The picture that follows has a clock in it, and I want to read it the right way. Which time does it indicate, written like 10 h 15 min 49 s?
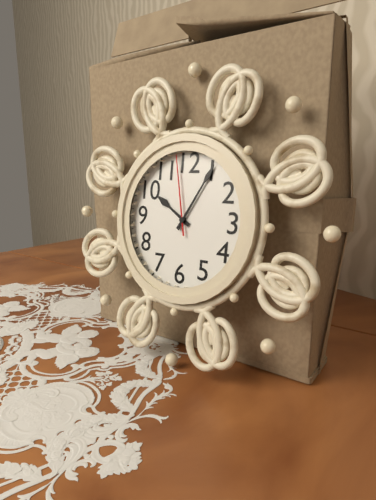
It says 10 h 05 min 58 s
